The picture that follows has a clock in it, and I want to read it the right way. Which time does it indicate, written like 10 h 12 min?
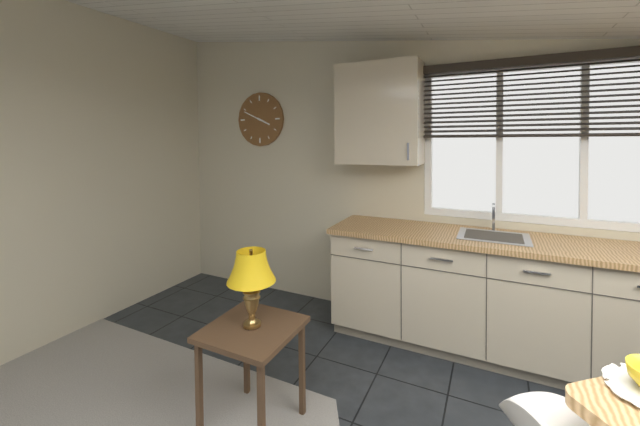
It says 3 h 49 min
